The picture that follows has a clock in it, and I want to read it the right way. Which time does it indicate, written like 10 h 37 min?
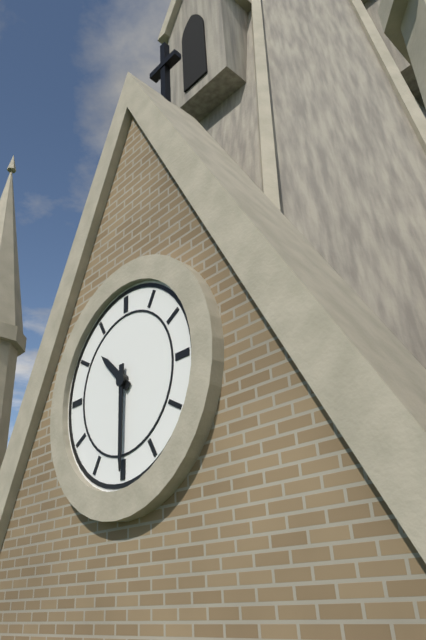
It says 10 h 30 min
